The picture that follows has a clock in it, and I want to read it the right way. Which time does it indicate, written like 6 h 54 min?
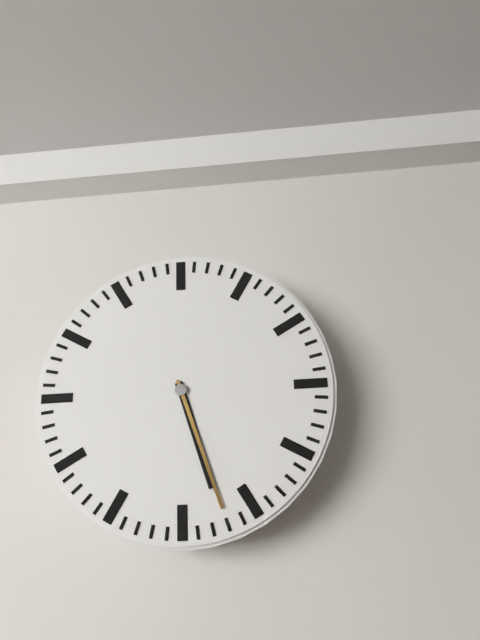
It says 5 h 27 min
